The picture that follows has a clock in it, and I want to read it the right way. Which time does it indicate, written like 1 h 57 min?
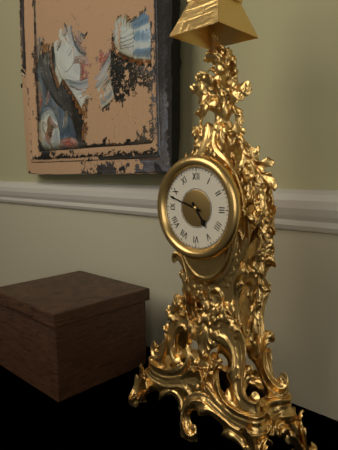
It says 4 h 48 min
